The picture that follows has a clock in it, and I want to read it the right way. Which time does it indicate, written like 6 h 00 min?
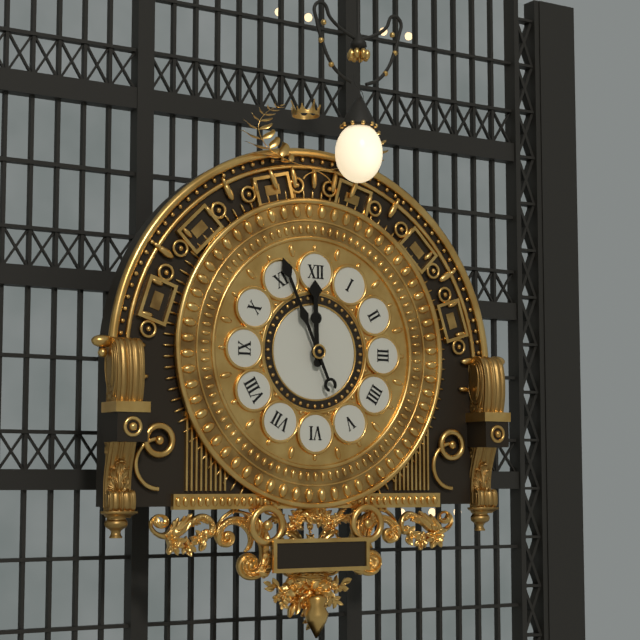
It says 11 h 56 min
